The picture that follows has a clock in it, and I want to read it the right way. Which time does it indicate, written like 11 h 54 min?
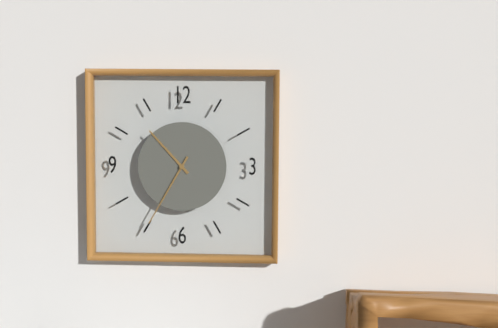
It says 10 h 35 min
